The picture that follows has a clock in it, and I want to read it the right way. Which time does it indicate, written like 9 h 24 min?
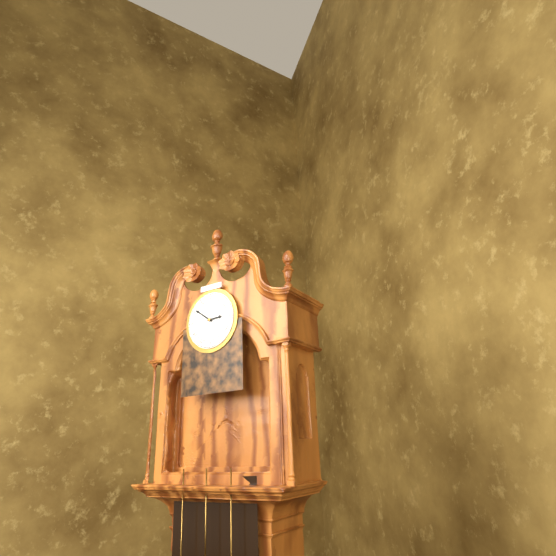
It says 2 h 51 min
